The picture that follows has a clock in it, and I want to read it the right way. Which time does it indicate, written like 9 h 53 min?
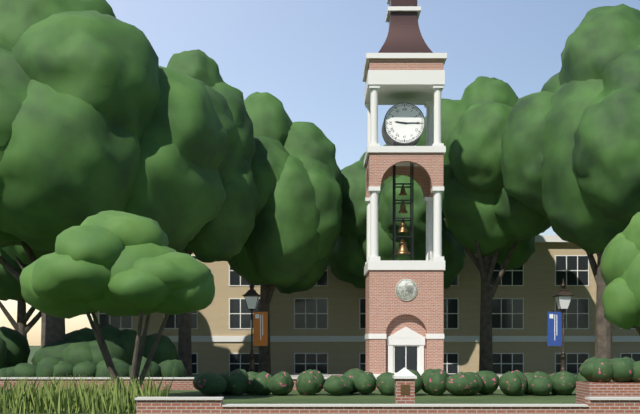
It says 9 h 15 min
